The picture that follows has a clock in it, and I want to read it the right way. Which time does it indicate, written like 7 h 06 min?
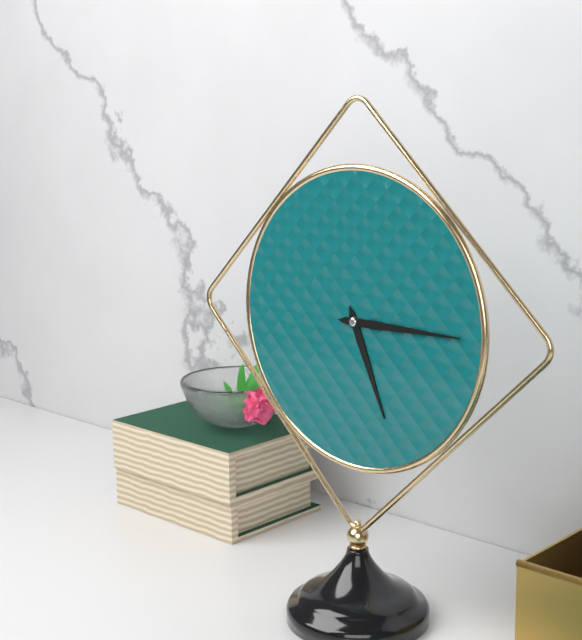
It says 5 h 15 min
